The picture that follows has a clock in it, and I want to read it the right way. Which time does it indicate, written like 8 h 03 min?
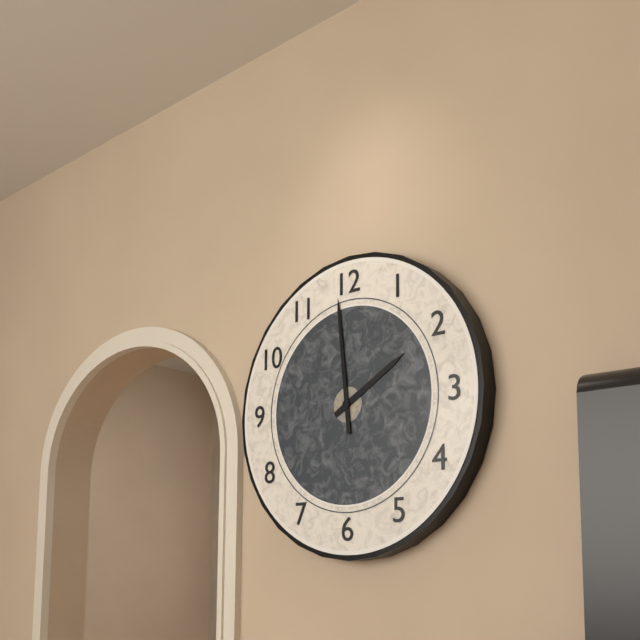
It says 1 h 59 min
